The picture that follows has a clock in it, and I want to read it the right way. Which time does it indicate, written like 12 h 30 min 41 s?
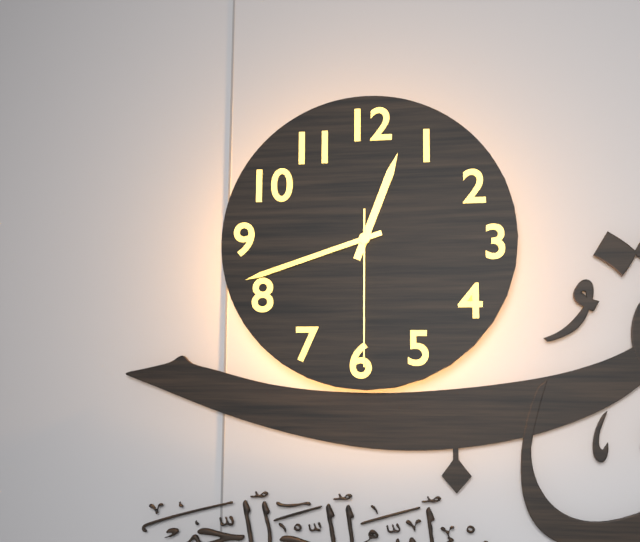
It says 12 h 42 min 30 s
